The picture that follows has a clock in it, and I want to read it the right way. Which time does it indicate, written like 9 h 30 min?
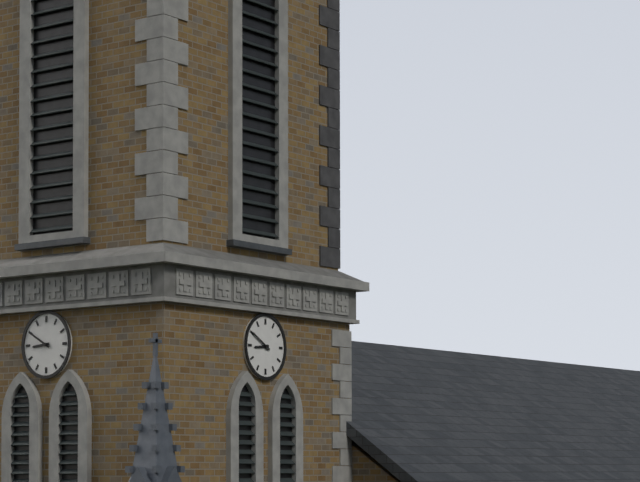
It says 8 h 50 min
